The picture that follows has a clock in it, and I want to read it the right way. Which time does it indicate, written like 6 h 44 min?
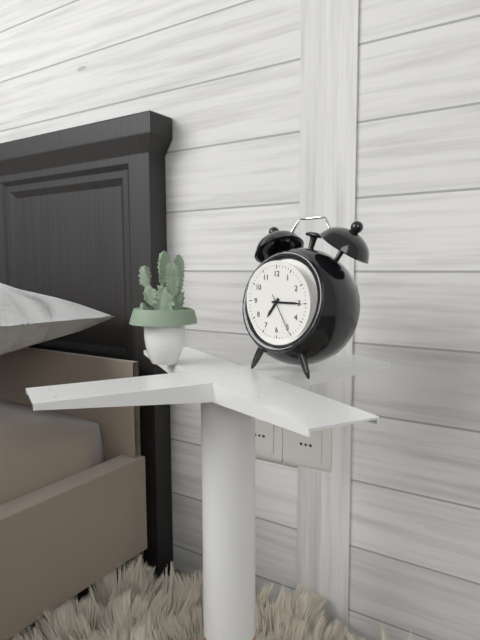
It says 7 h 15 min
